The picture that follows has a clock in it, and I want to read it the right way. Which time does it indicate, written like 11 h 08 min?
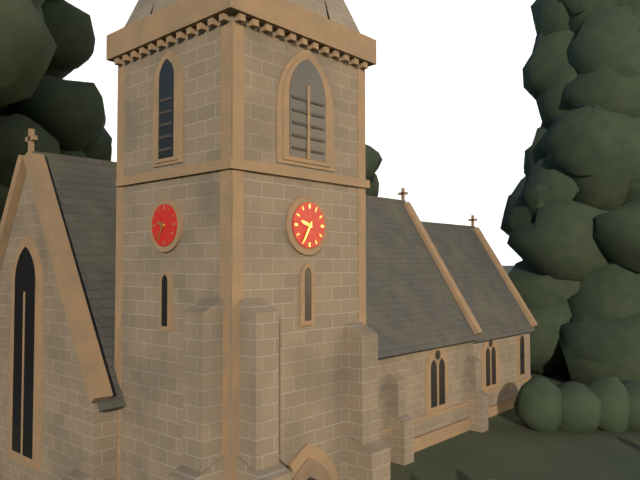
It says 9 h 35 min
